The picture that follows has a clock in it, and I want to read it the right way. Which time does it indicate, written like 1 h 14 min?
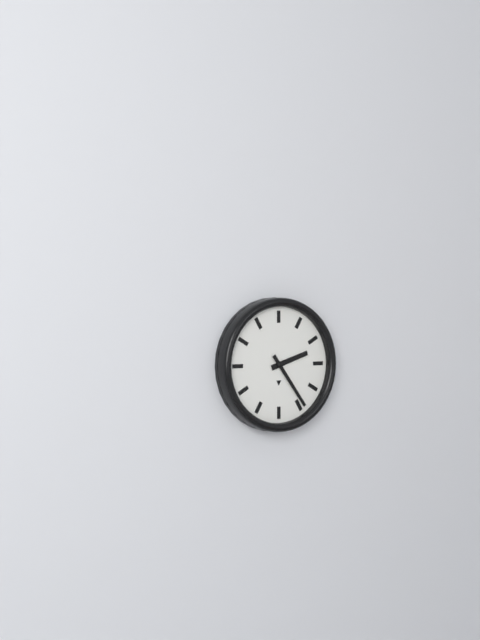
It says 2 h 24 min
